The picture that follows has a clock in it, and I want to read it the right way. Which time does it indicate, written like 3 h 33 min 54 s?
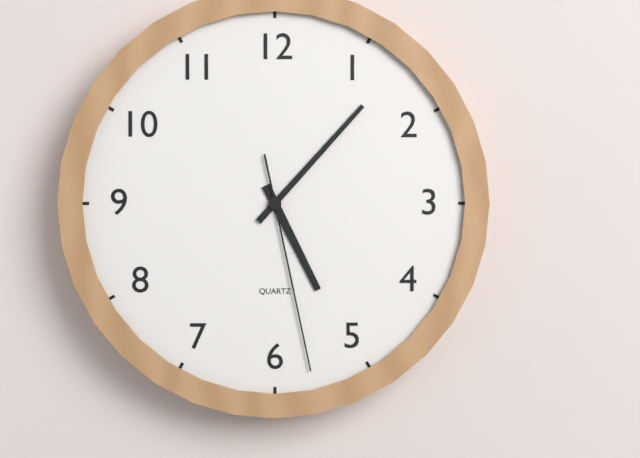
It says 5 h 07 min 28 s
